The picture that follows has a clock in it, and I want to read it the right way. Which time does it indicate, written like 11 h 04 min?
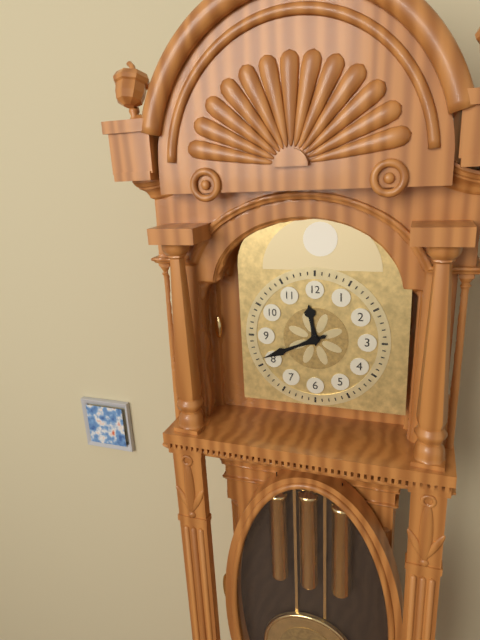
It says 11 h 41 min
